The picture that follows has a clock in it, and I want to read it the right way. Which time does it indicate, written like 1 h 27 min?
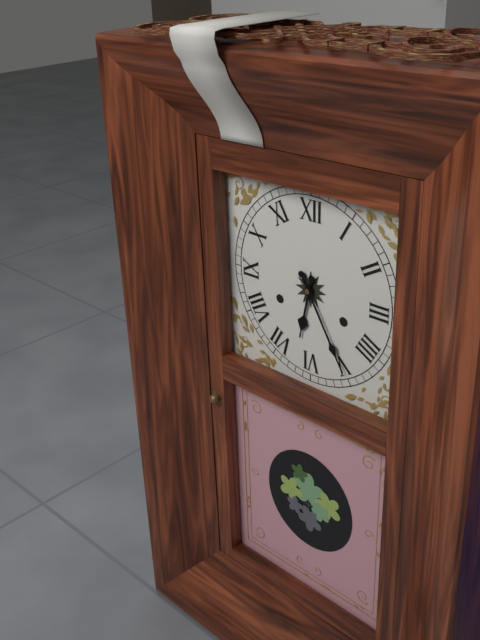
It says 6 h 25 min
